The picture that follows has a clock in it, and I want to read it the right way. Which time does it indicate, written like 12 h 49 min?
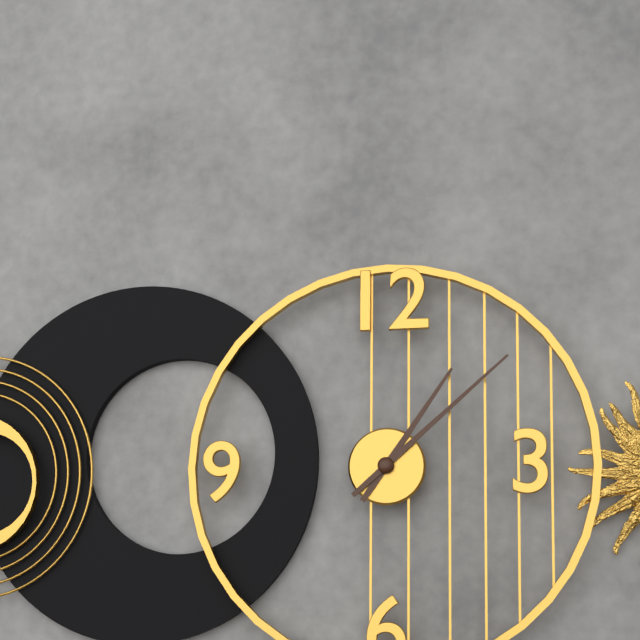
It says 1 h 08 min
